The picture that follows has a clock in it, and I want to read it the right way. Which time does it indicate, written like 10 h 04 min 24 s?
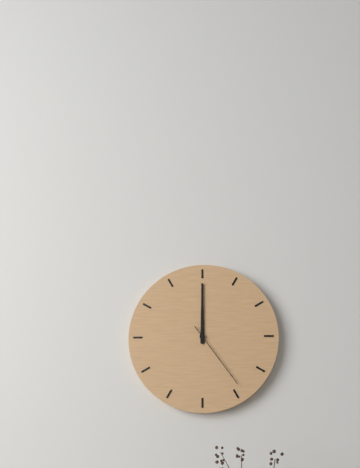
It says 12 h 00 min 24 s
